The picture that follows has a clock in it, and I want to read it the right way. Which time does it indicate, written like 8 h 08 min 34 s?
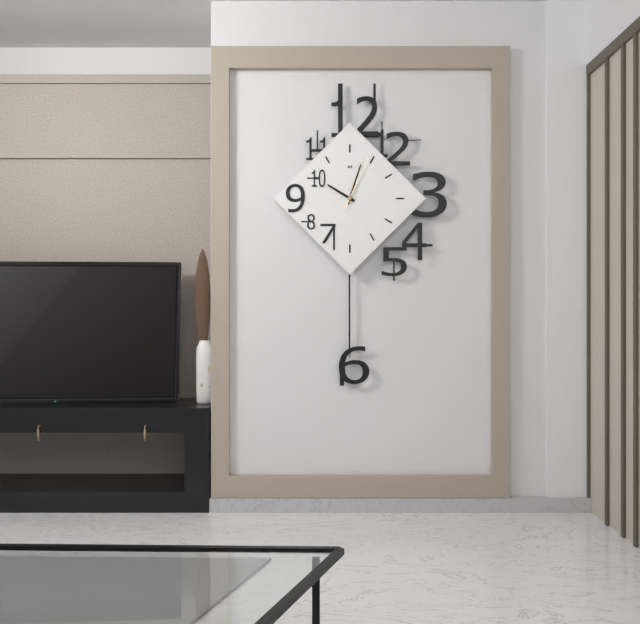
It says 10 h 03 min 04 s
